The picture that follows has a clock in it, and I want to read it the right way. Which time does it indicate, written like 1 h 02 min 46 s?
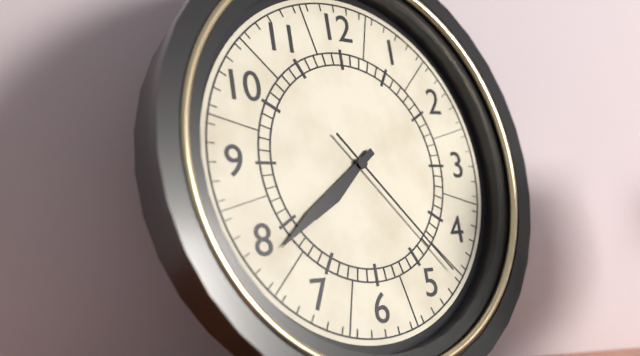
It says 7 h 39 min 23 s
